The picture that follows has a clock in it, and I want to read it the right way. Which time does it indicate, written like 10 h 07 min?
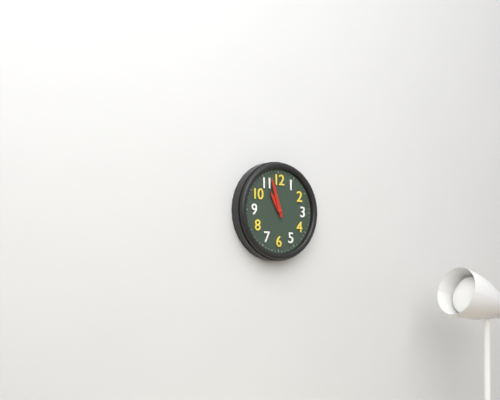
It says 10 h 57 min
